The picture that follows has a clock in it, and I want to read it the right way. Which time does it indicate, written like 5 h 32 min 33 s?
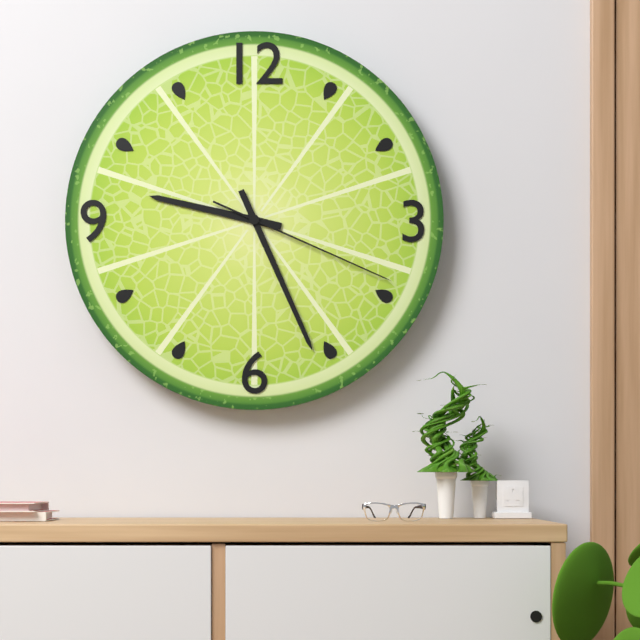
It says 9 h 26 min 19 s
